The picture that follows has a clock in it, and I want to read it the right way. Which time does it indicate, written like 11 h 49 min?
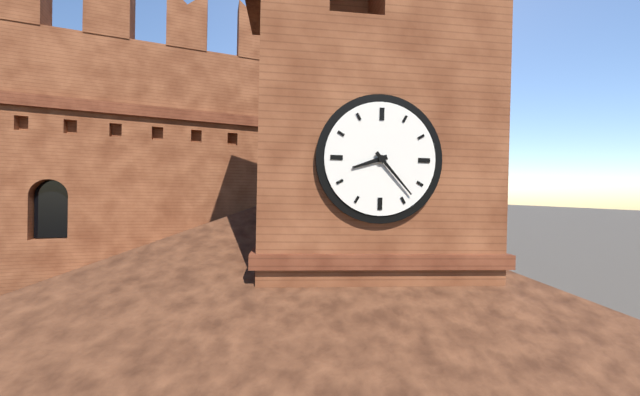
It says 8 h 23 min
